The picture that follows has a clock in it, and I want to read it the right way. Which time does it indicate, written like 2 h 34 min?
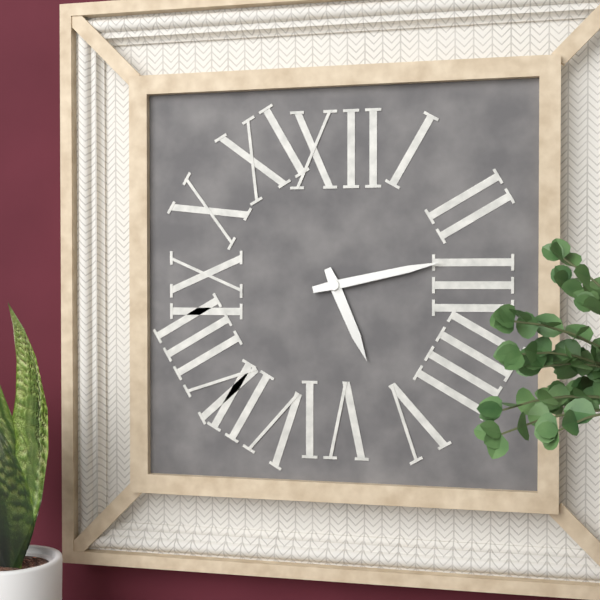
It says 5 h 13 min
